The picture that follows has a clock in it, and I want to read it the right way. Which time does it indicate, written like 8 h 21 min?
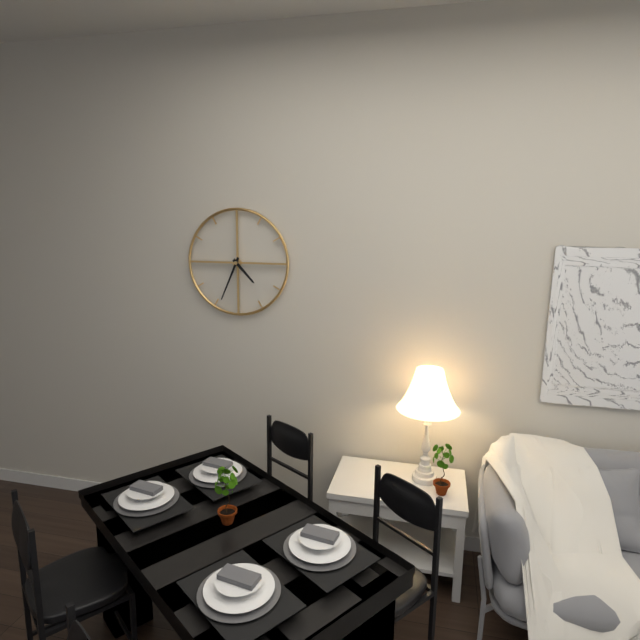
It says 4 h 34 min
